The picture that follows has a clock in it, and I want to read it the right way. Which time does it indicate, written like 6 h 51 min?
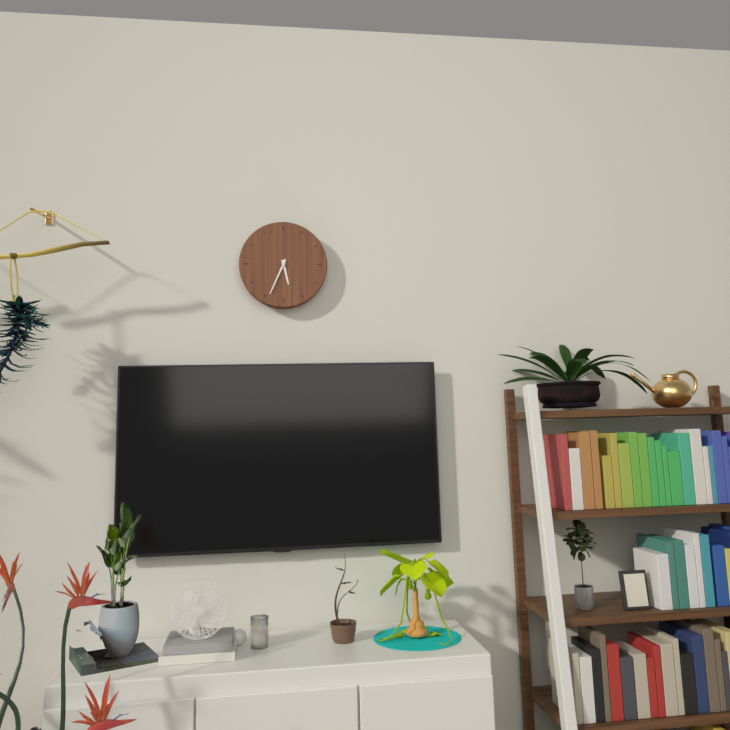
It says 5 h 34 min
